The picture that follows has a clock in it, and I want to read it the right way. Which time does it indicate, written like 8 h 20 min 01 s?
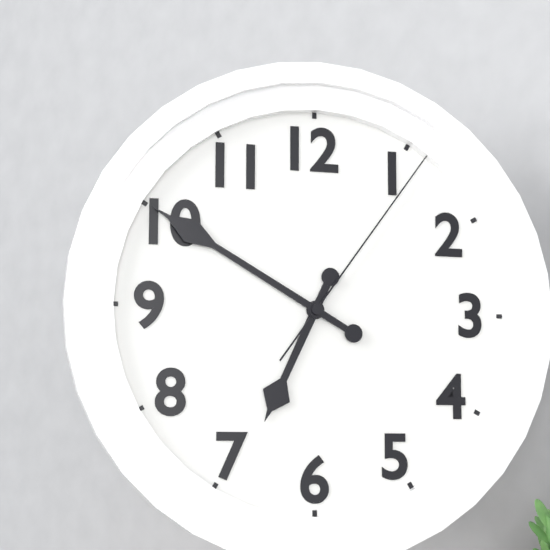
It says 6 h 50 min 06 s
